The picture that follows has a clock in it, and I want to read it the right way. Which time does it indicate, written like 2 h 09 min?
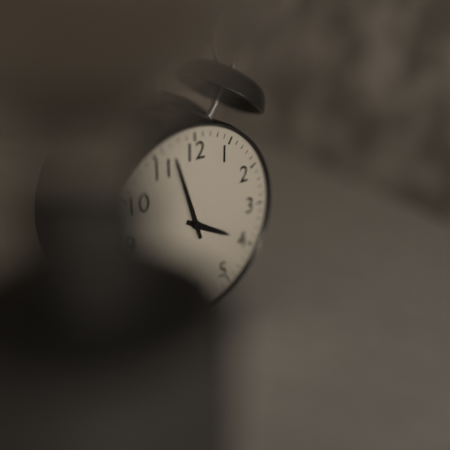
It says 3 h 57 min
